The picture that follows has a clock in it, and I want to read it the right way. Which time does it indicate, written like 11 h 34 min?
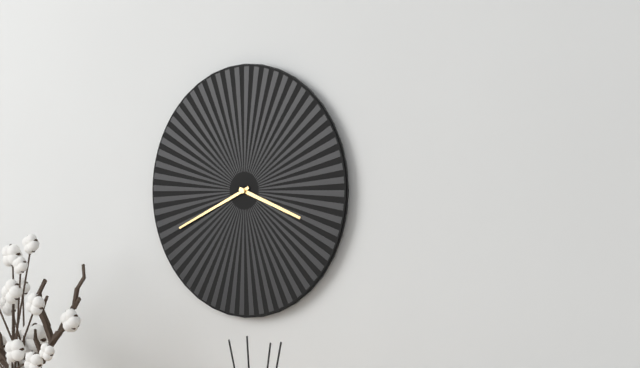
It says 3 h 41 min
